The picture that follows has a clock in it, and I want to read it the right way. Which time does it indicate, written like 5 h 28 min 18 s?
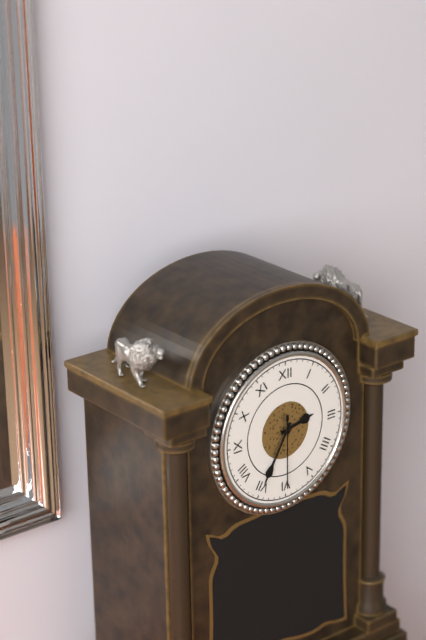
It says 2 h 35 min 30 s
